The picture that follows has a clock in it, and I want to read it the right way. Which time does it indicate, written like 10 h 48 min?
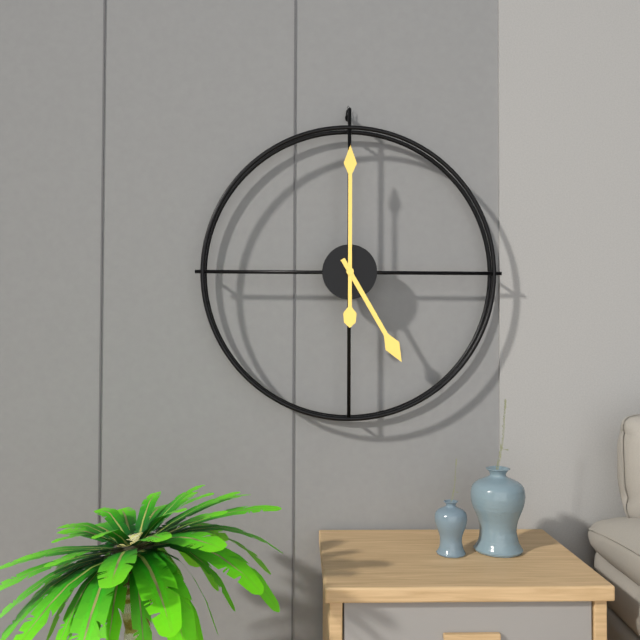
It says 5 h 00 min
